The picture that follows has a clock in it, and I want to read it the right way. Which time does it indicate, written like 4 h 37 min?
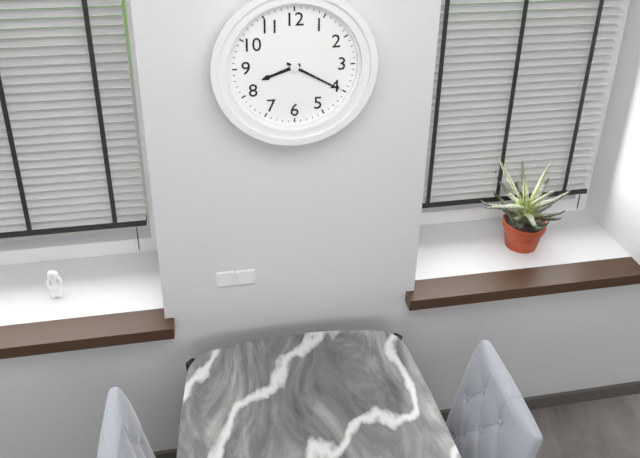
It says 8 h 20 min
